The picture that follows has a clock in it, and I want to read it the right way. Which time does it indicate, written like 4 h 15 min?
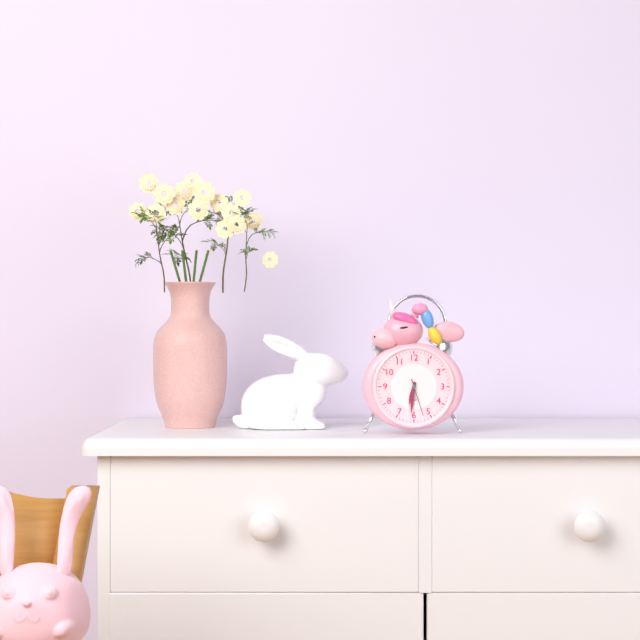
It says 6 h 31 min
